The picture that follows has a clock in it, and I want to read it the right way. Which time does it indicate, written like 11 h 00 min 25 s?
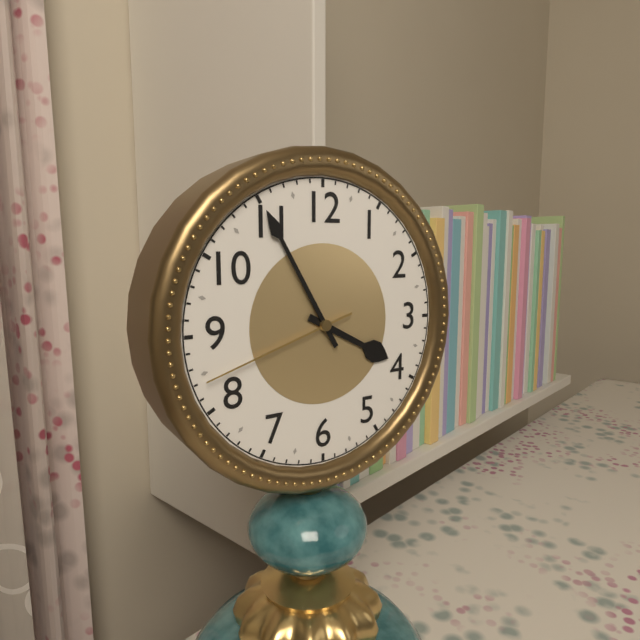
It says 3 h 55 min 42 s
